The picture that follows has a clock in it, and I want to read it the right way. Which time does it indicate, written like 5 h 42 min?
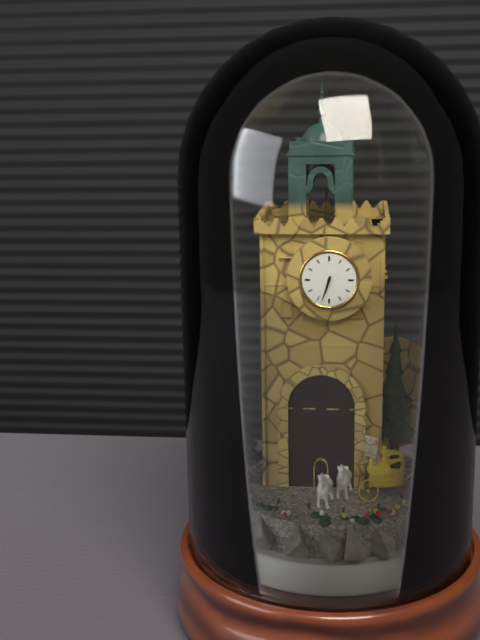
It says 6 h 33 min
